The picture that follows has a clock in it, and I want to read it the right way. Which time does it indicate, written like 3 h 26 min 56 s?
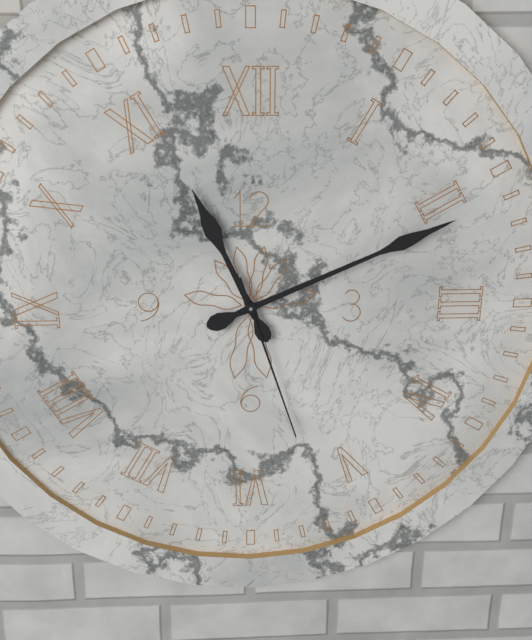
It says 11 h 11 min 27 s
